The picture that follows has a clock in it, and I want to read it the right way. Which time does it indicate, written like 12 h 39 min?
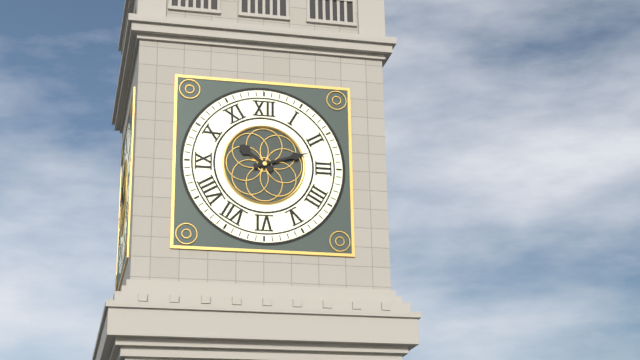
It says 10 h 12 min
